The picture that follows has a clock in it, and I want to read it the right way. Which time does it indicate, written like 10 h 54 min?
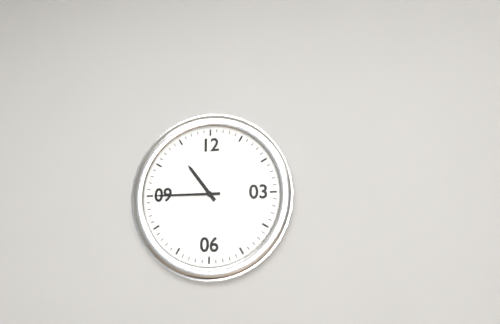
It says 10 h 45 min
